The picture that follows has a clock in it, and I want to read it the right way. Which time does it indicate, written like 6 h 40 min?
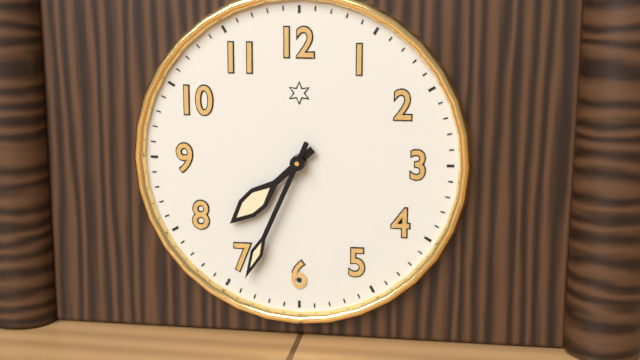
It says 7 h 34 min
